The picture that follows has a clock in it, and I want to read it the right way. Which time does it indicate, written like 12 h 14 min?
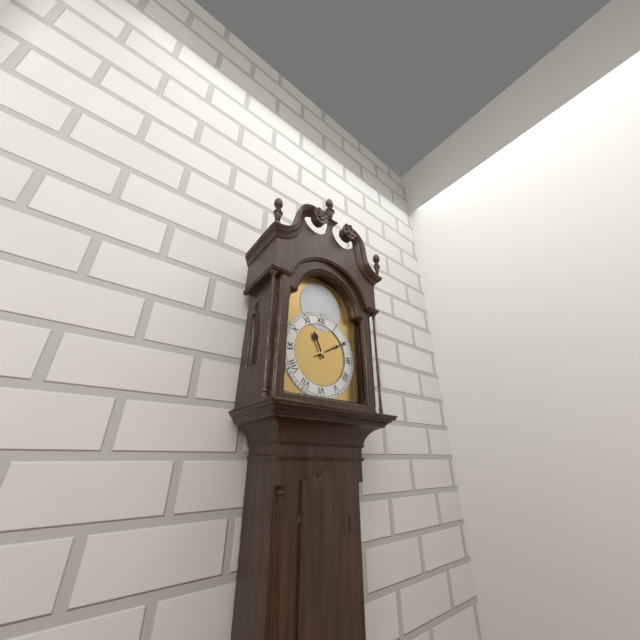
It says 11 h 10 min
